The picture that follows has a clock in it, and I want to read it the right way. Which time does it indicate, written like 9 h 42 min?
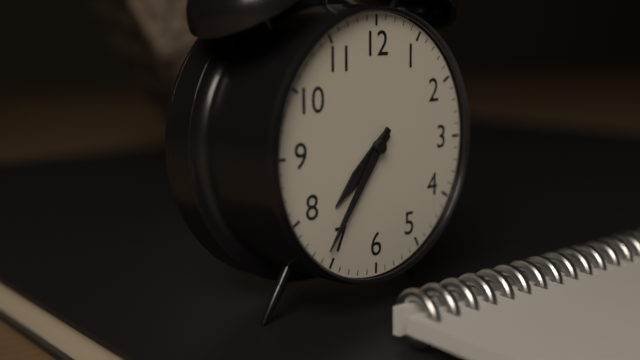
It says 7 h 36 min
